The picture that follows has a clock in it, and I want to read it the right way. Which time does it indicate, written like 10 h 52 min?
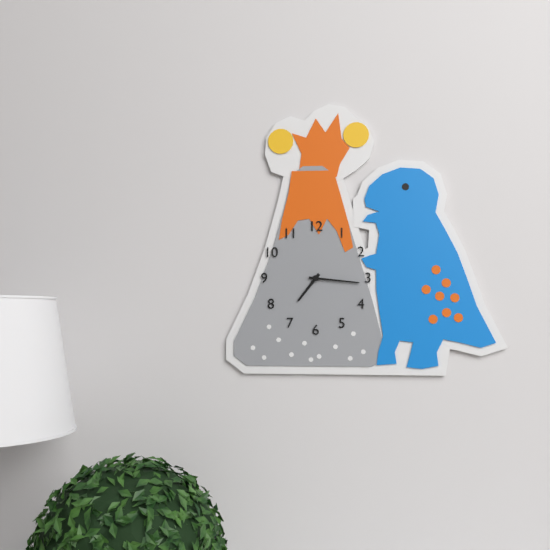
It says 7 h 16 min
